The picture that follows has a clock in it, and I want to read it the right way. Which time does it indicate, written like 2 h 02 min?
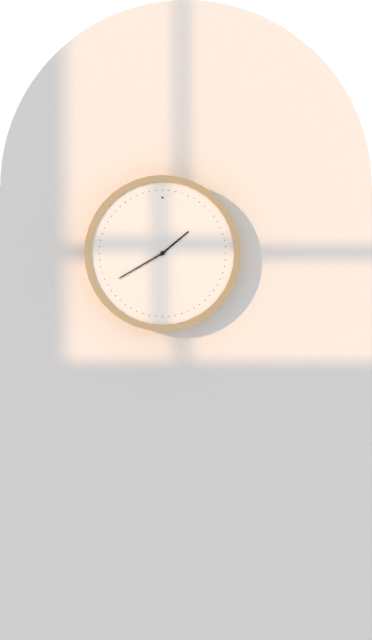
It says 1 h 40 min
